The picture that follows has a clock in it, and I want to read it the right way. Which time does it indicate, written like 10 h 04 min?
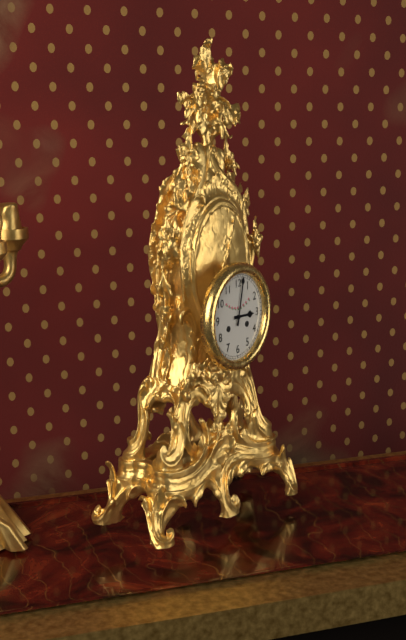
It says 3 h 02 min
